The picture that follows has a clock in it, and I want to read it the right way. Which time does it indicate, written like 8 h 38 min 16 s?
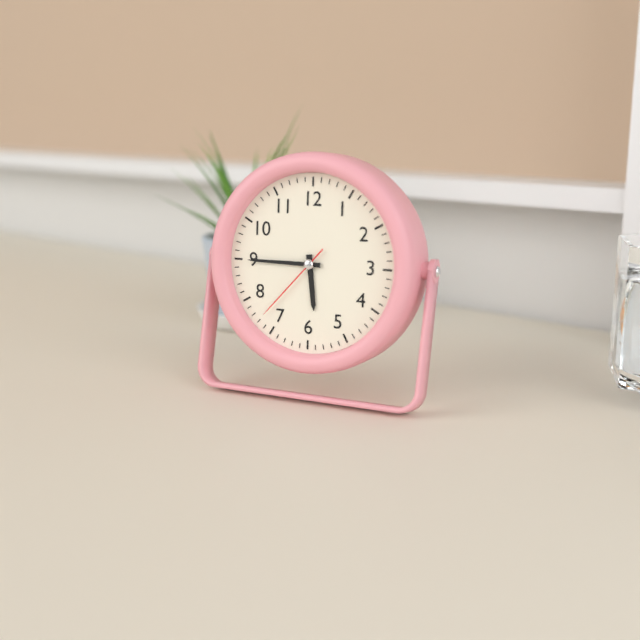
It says 5 h 45 min 37 s
